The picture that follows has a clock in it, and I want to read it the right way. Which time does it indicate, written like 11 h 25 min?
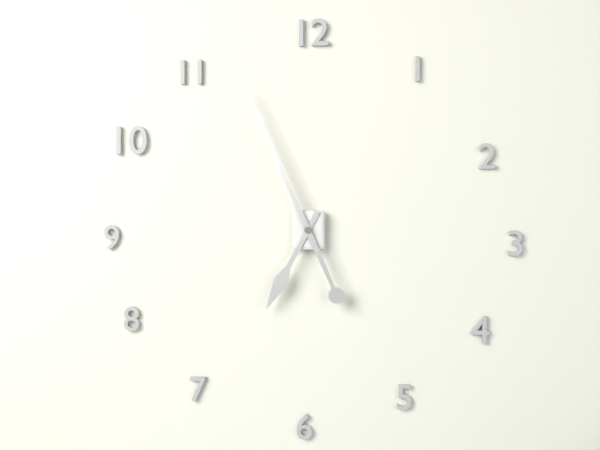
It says 6 h 56 min
